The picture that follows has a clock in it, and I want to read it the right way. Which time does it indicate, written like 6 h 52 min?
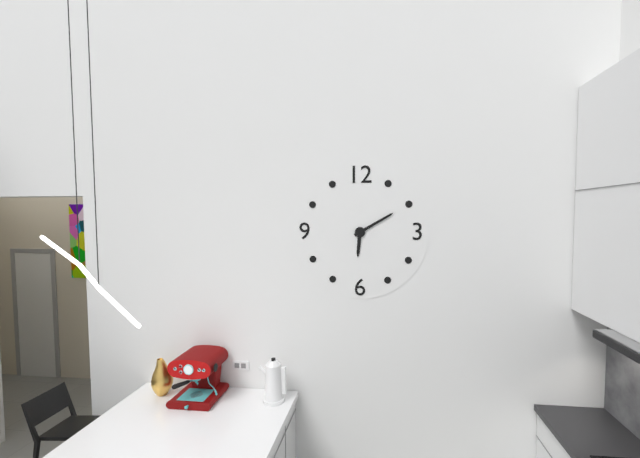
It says 6 h 10 min
